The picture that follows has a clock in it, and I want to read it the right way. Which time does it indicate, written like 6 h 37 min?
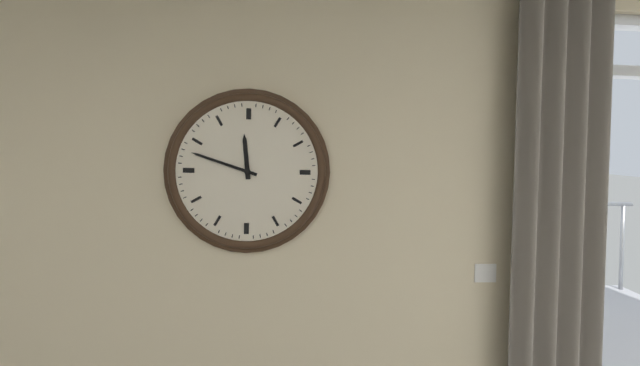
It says 11 h 48 min
